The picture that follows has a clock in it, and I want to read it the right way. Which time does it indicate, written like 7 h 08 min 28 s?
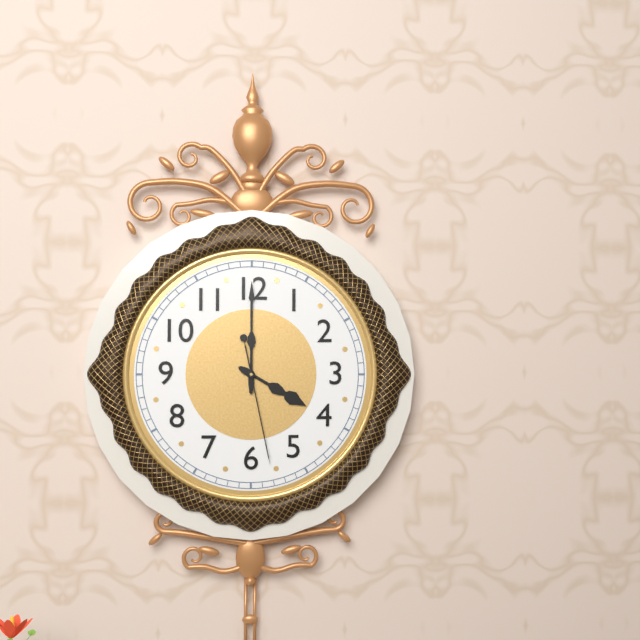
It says 4 h 00 min 28 s
